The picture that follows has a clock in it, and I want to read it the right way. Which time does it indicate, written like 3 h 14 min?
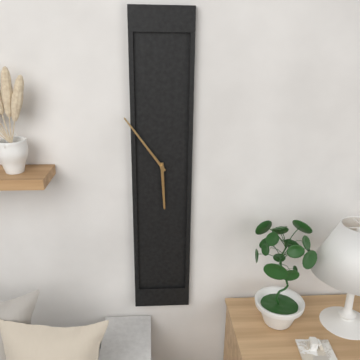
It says 5 h 54 min
